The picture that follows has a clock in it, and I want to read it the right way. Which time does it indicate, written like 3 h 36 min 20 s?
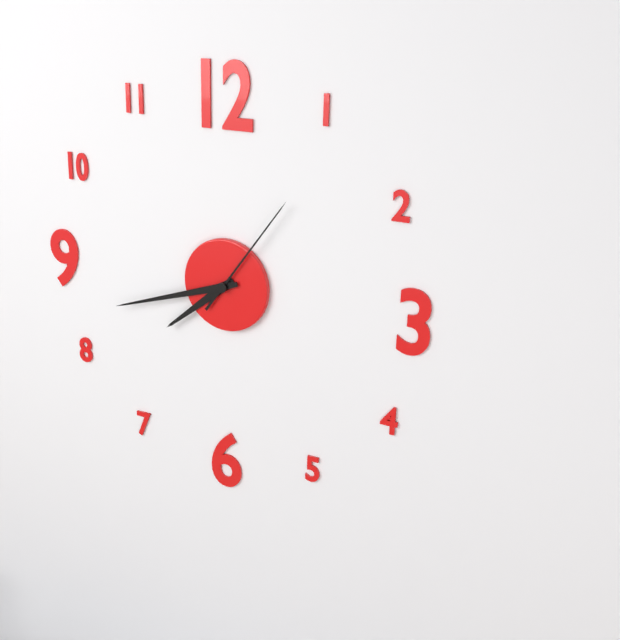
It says 7 h 42 min 06 s
